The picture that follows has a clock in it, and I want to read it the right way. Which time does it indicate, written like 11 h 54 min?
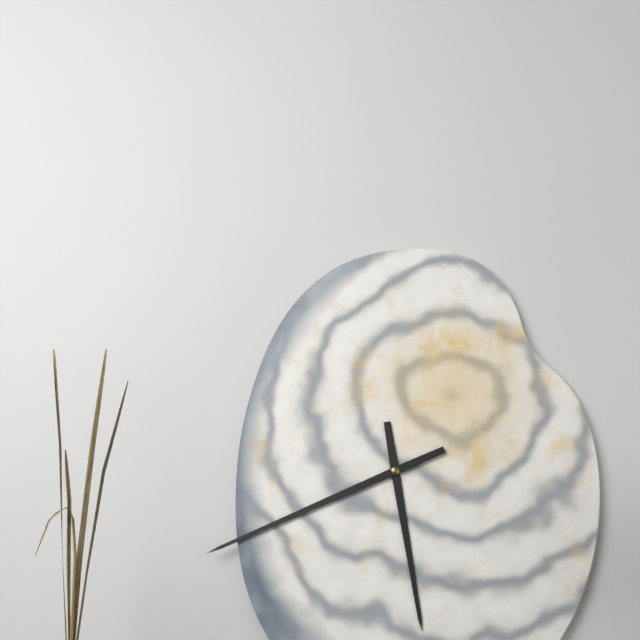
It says 5 h 41 min
